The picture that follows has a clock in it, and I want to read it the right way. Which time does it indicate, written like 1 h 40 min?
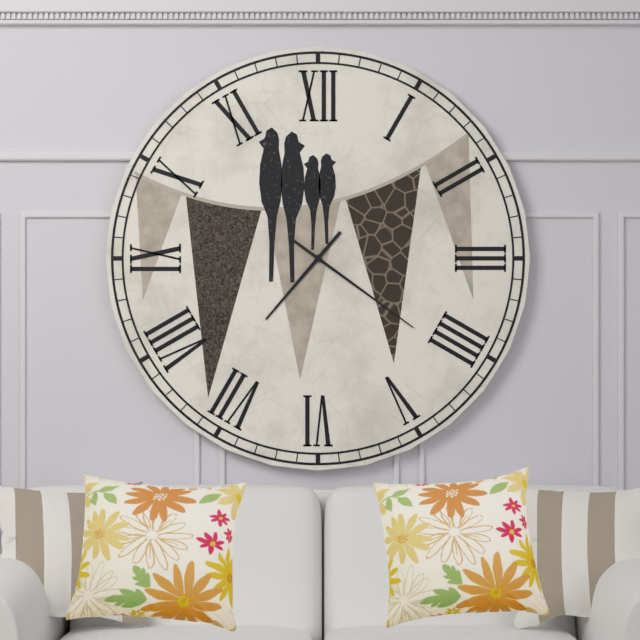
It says 7 h 21 min
